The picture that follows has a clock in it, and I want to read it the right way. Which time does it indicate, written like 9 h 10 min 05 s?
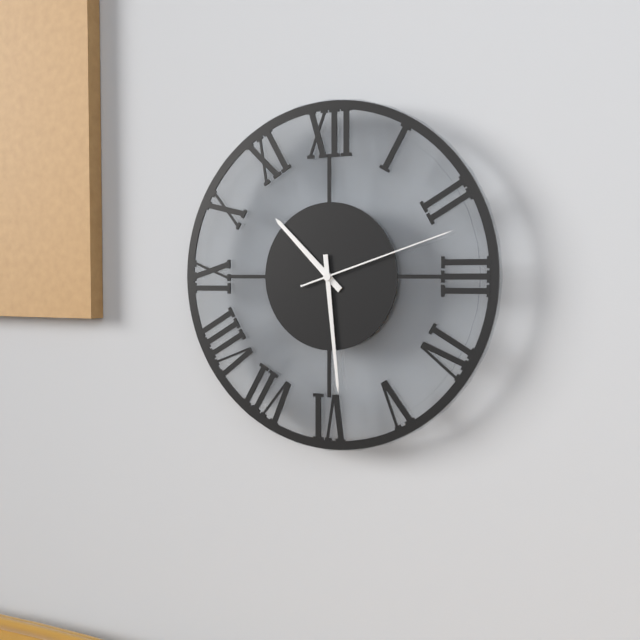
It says 10 h 29 min 12 s
